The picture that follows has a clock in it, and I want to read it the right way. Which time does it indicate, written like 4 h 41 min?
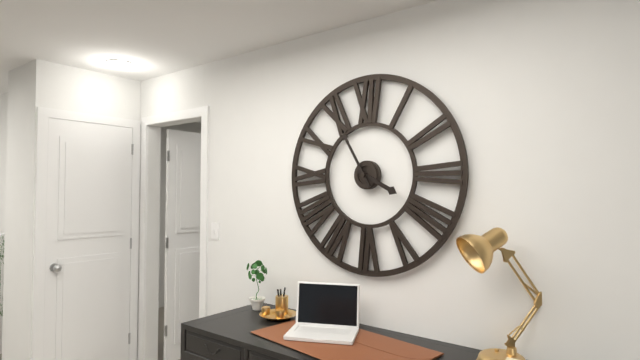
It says 3 h 55 min
